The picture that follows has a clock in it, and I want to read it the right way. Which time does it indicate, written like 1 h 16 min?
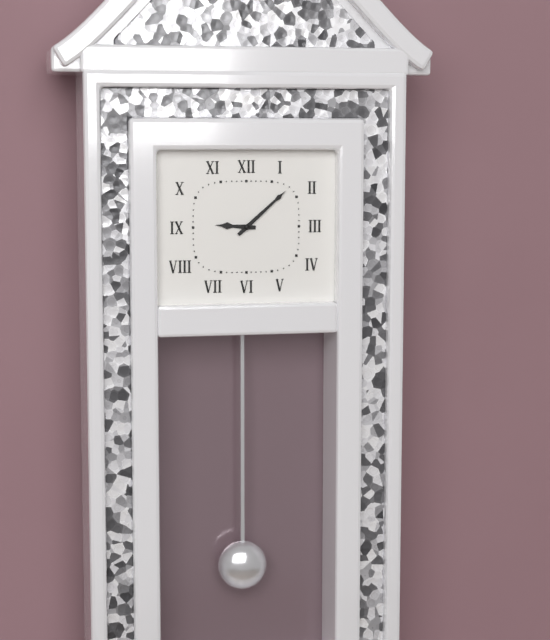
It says 9 h 08 min
